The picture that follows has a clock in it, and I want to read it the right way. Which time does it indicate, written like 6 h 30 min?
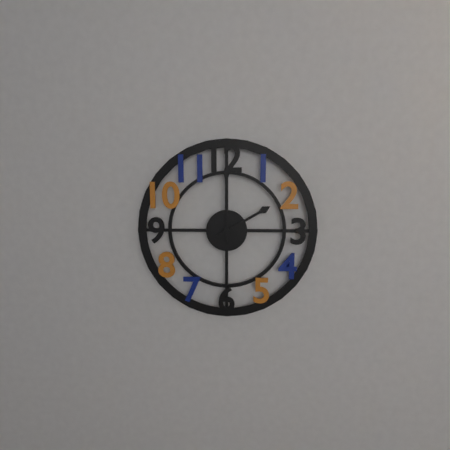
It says 2 h 00 min
